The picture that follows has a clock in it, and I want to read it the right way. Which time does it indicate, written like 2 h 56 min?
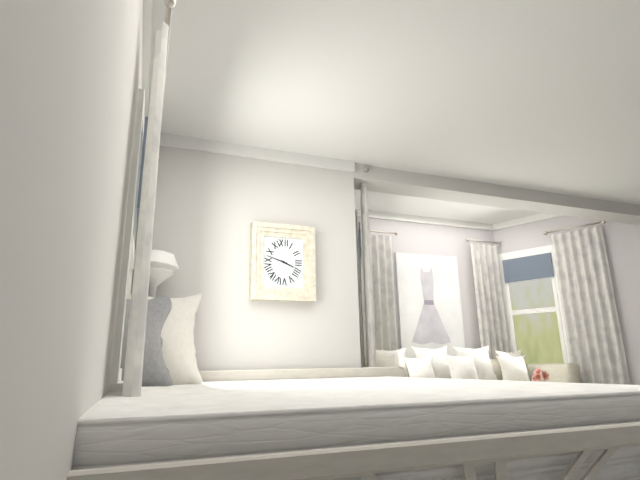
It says 3 h 48 min
